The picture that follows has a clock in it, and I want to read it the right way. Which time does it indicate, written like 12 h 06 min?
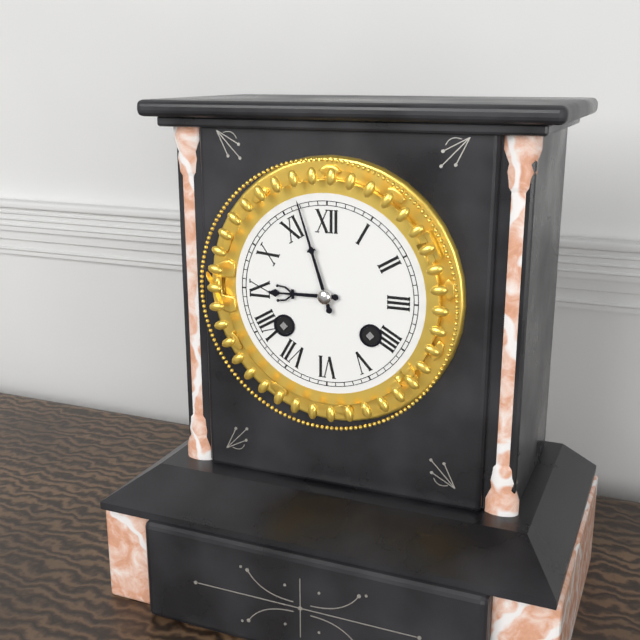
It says 8 h 57 min
